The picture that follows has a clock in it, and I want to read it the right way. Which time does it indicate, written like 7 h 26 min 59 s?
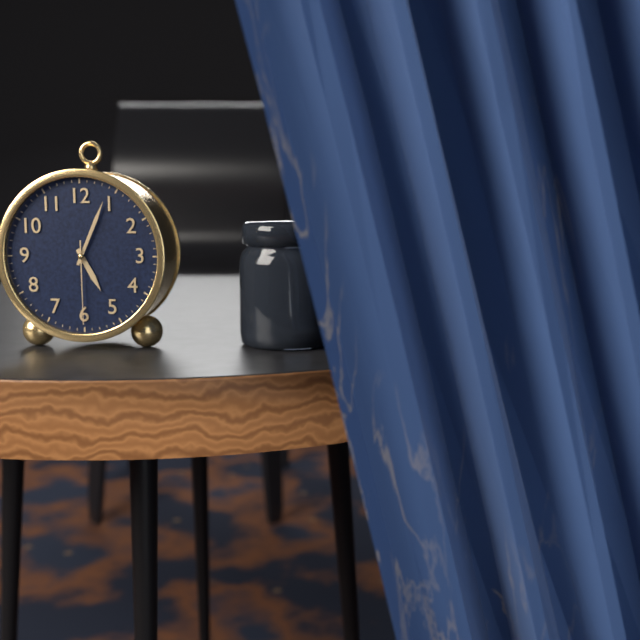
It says 5 h 04 min 30 s
